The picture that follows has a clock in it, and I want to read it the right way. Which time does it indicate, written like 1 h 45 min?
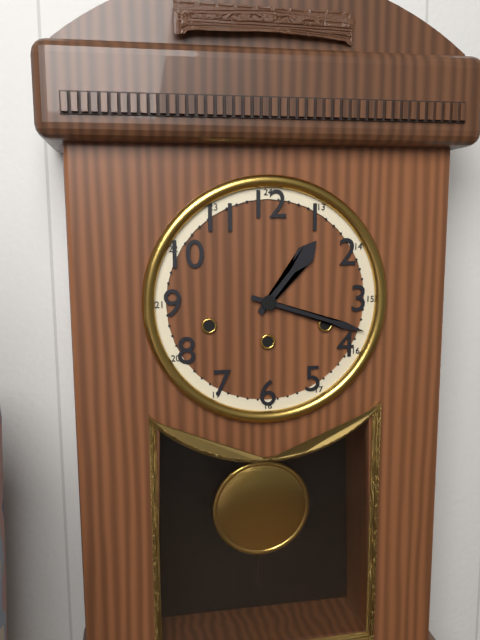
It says 1 h 18 min
